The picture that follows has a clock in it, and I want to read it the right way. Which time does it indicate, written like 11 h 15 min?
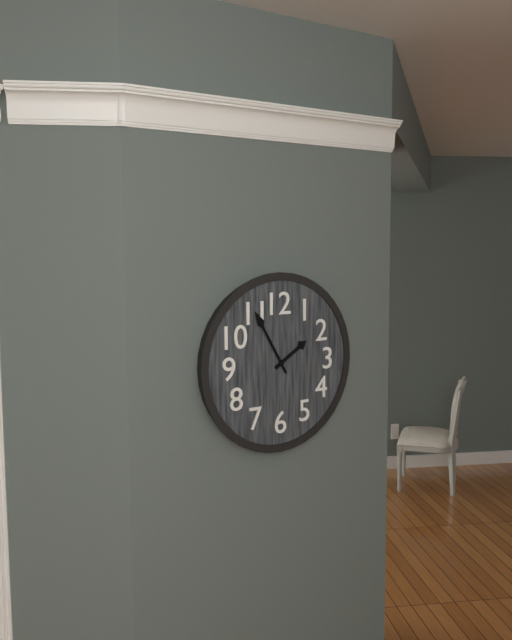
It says 1 h 55 min
